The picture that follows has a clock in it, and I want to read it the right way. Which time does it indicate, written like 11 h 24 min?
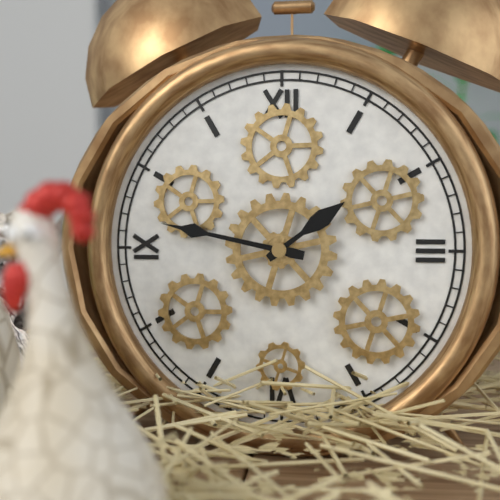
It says 1 h 47 min
